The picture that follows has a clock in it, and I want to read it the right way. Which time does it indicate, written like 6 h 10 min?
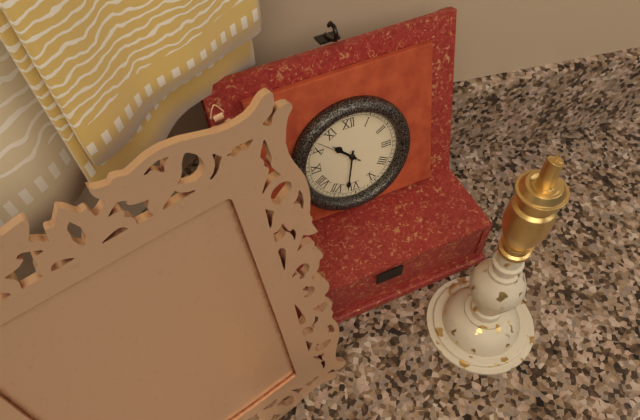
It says 10 h 32 min
